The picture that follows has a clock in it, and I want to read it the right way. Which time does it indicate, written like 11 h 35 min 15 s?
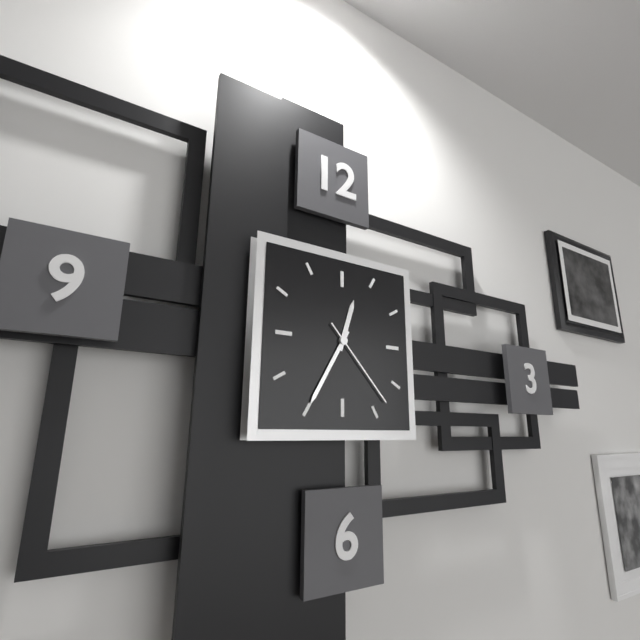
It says 12 h 35 min 23 s
